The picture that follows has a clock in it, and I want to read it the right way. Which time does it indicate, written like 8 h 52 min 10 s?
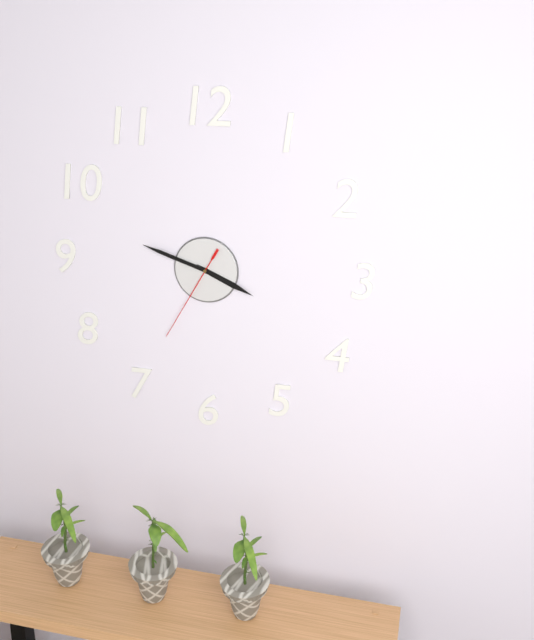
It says 3 h 48 min 35 s
